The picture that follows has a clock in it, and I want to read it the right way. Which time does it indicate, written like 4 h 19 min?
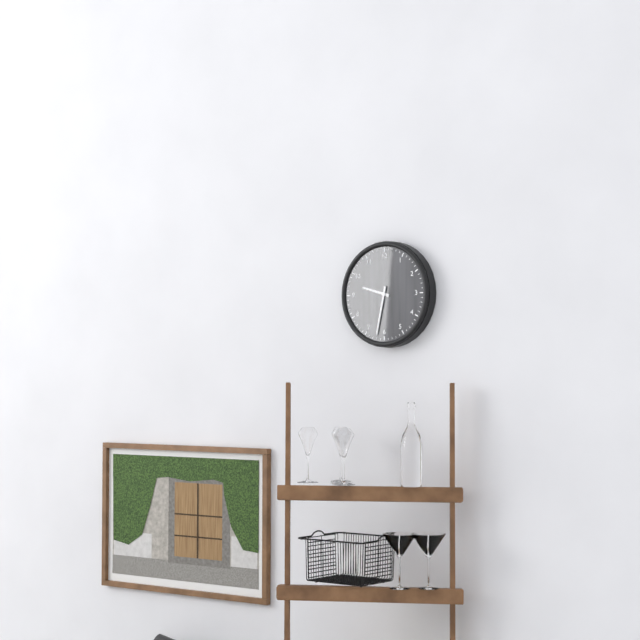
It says 9 h 32 min
